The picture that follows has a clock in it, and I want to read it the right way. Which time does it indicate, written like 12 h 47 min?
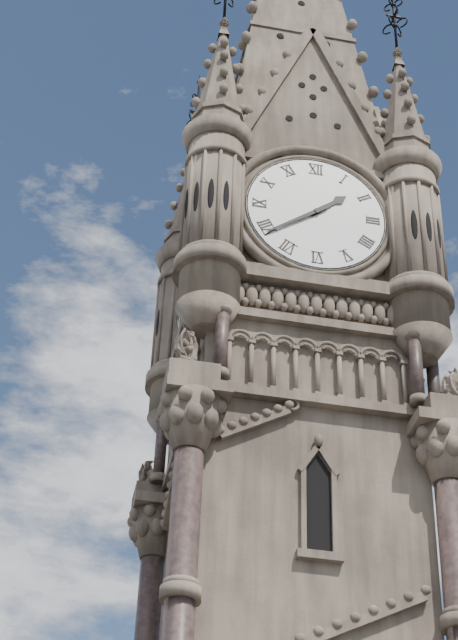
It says 1 h 39 min
